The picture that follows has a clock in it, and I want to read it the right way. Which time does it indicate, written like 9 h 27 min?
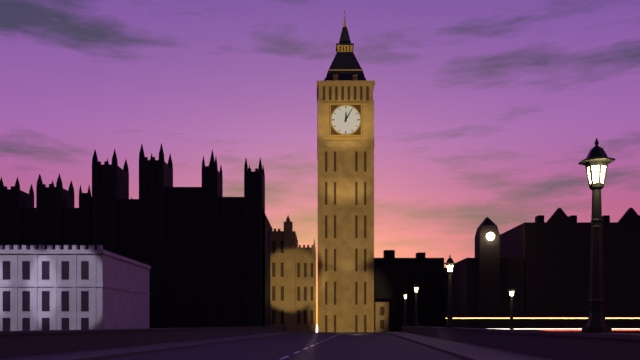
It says 12 h 05 min
